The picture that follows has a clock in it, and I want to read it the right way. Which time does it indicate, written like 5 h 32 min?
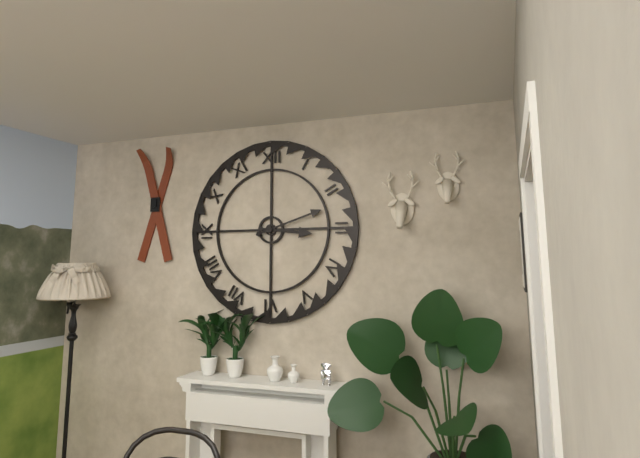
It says 3 h 12 min
